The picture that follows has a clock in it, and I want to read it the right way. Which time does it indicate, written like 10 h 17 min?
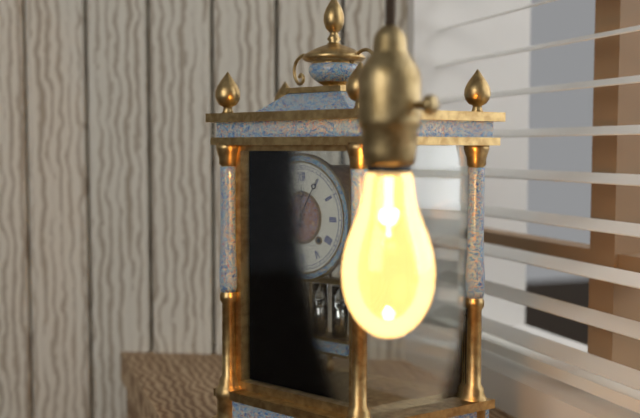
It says 12 h 05 min
